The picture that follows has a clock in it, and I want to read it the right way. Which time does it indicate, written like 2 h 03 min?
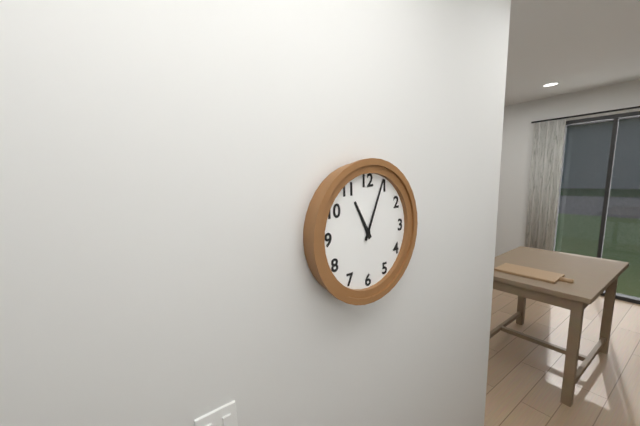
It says 11 h 04 min
